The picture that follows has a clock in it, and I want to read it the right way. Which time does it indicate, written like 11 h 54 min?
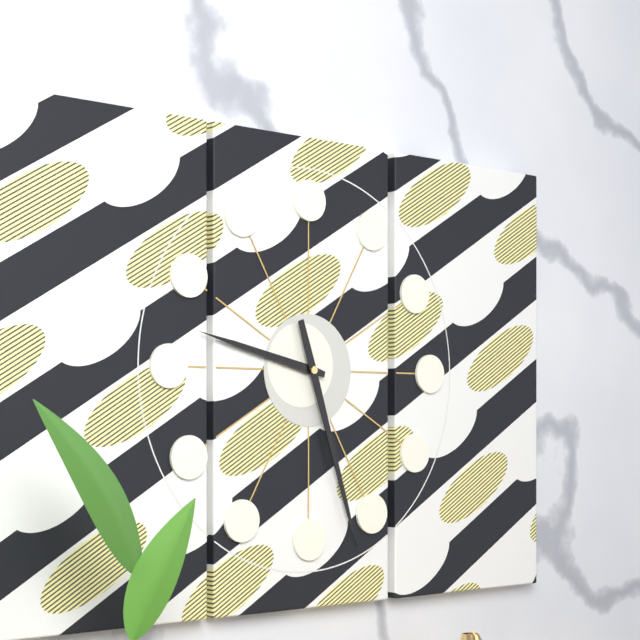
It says 9 h 27 min
